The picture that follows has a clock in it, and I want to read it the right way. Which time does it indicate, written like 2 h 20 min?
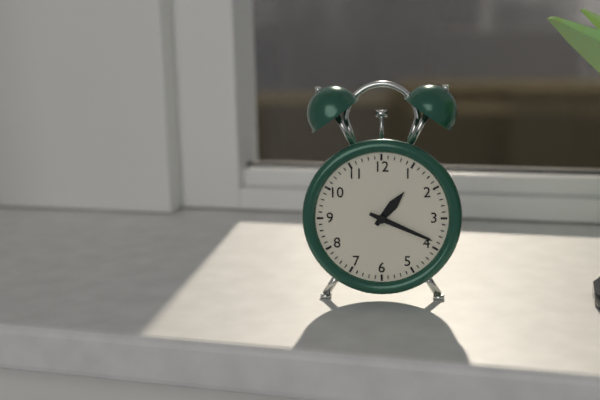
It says 1 h 19 min
